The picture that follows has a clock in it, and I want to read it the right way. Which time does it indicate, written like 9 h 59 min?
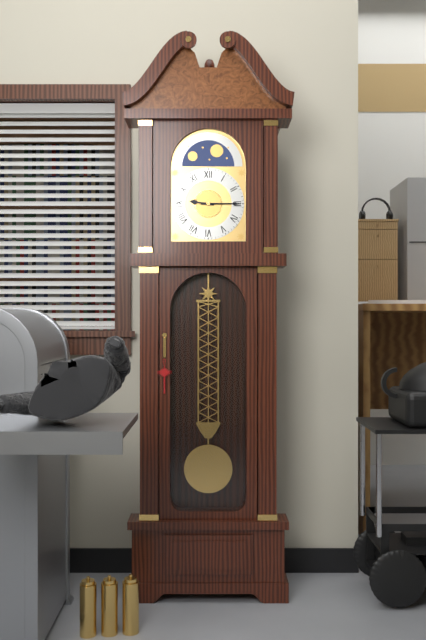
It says 9 h 15 min
